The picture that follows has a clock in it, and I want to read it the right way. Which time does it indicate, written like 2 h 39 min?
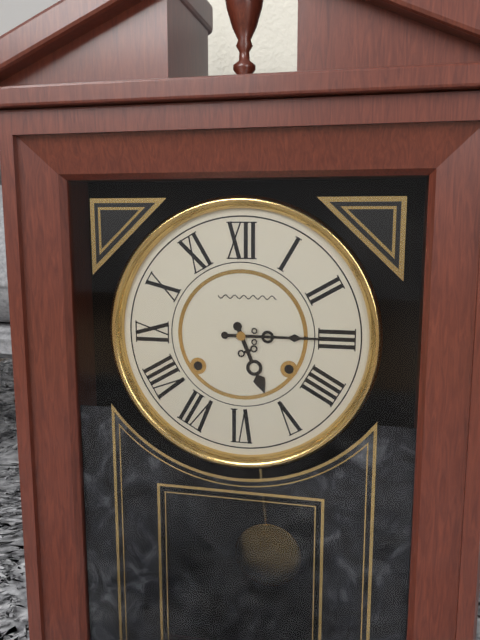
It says 5 h 15 min
